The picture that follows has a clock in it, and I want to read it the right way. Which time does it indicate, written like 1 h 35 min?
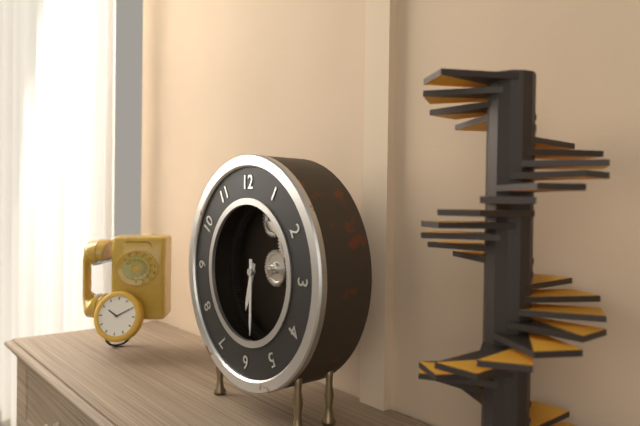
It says 6 h 30 min
